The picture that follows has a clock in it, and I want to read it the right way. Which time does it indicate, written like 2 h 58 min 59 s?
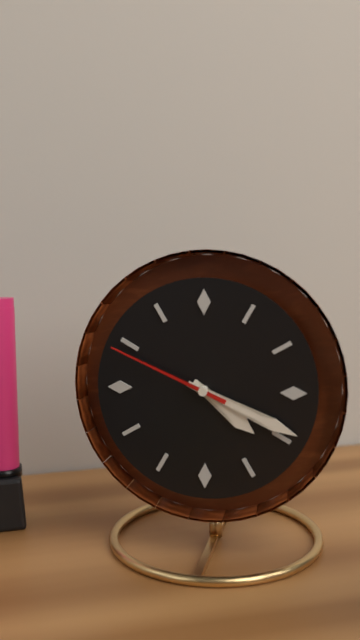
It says 4 h 19 min 49 s
